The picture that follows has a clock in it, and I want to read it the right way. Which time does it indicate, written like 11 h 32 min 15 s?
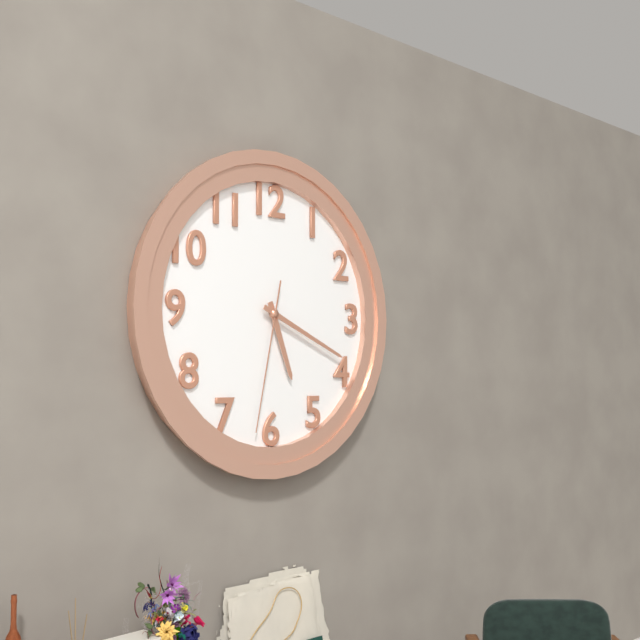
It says 5 h 19 min 32 s
